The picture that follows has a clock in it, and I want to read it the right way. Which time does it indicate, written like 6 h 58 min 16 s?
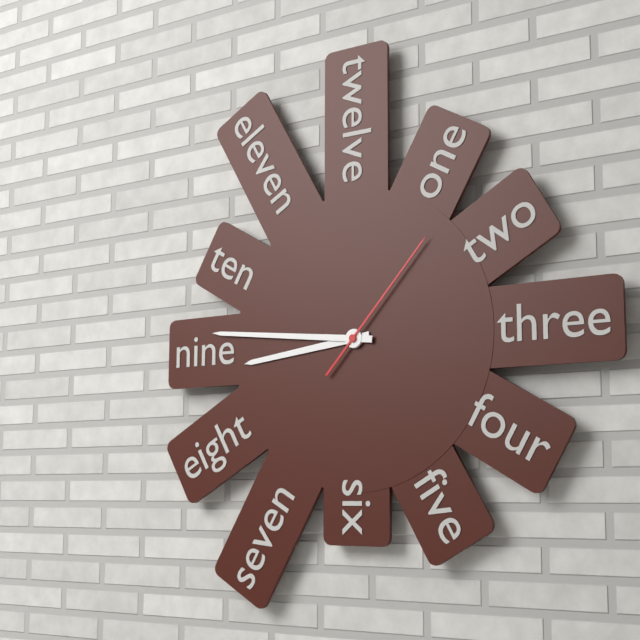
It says 8 h 46 min 07 s
